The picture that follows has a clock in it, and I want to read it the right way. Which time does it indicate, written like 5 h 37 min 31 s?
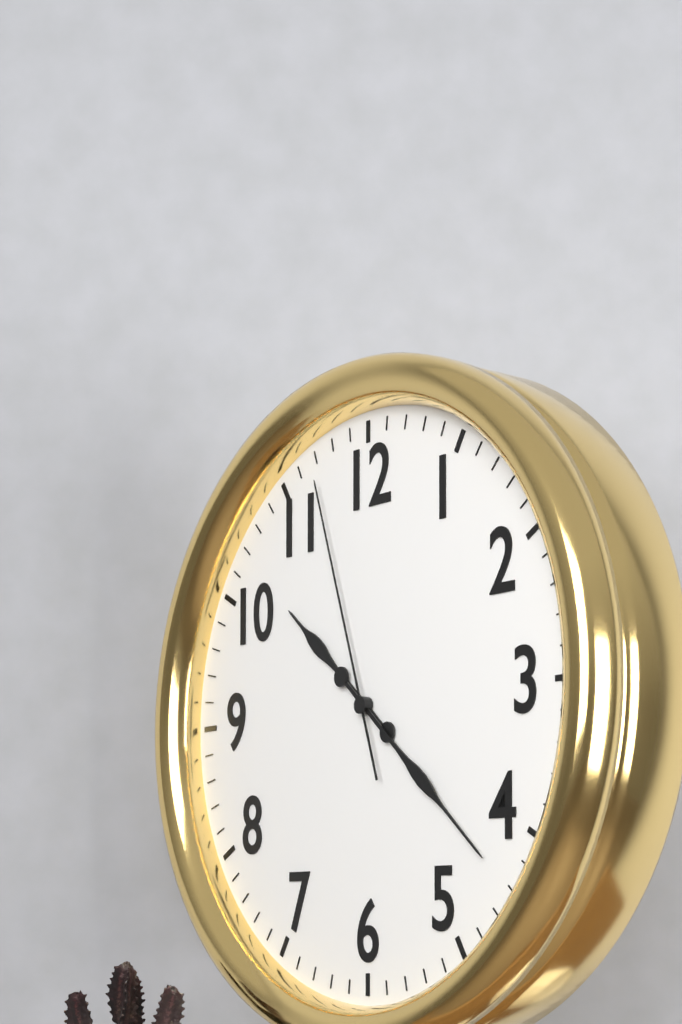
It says 10 h 22 min 57 s
